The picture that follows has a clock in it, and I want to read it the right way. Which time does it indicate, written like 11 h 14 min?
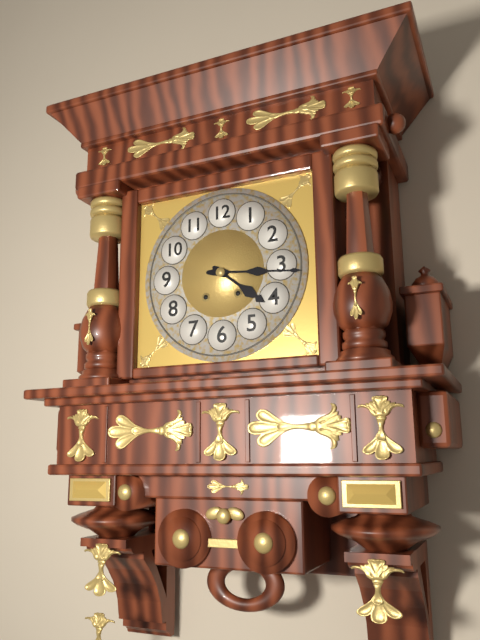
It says 4 h 16 min
